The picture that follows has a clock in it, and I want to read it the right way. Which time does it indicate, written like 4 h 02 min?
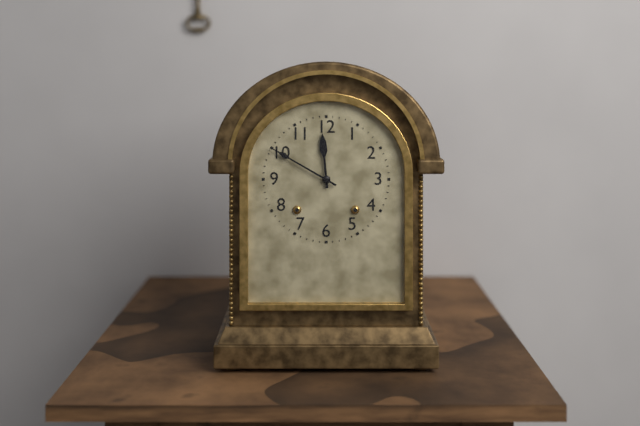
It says 11 h 50 min
